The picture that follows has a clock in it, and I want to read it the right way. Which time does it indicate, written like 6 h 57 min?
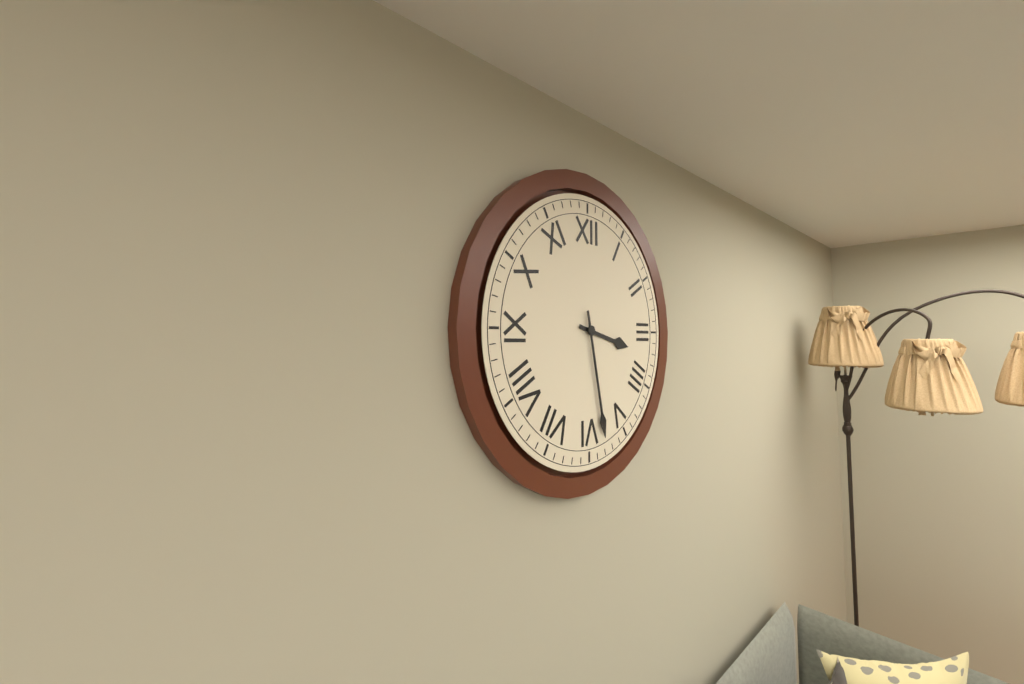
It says 3 h 28 min
